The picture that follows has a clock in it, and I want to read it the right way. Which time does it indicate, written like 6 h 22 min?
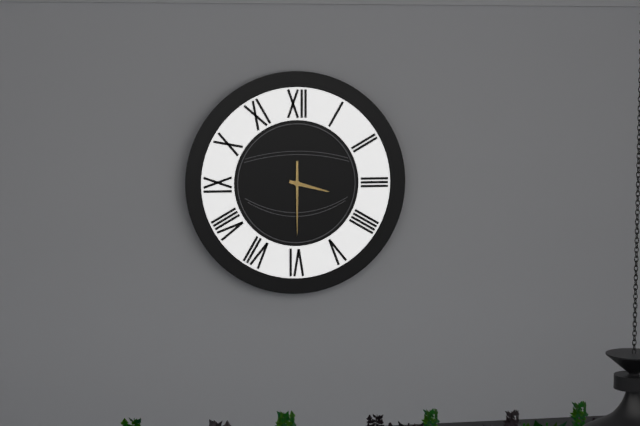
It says 3 h 30 min
